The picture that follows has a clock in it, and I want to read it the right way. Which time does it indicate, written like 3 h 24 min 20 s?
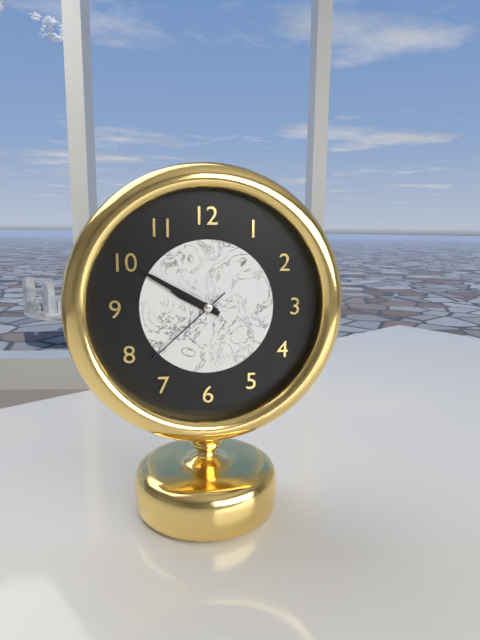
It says 9 h 50 min 38 s
